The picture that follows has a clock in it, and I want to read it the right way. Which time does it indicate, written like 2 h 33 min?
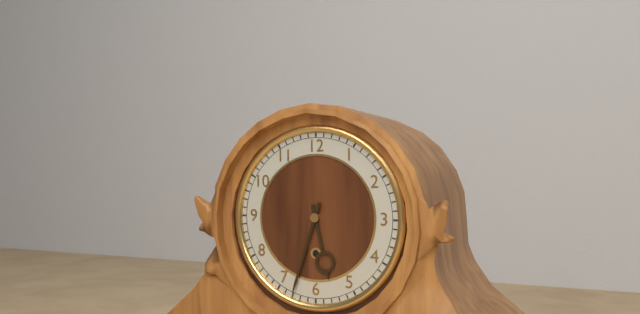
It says 5 h 33 min
